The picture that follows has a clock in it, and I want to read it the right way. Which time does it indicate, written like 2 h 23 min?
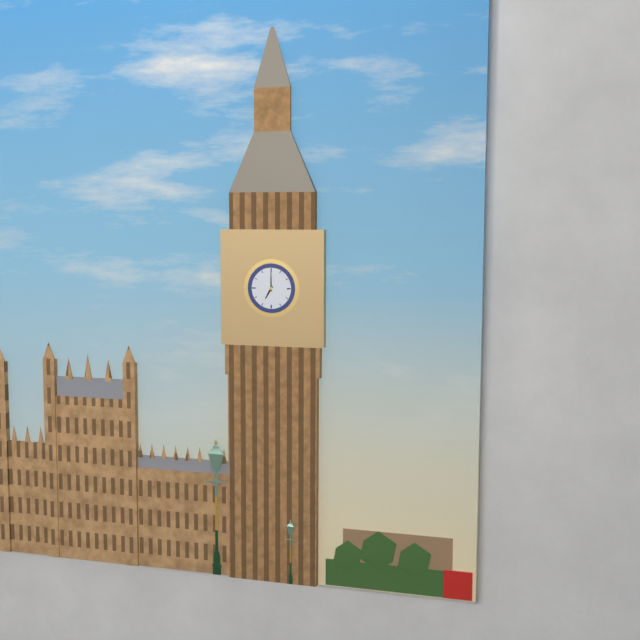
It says 7 h 00 min
